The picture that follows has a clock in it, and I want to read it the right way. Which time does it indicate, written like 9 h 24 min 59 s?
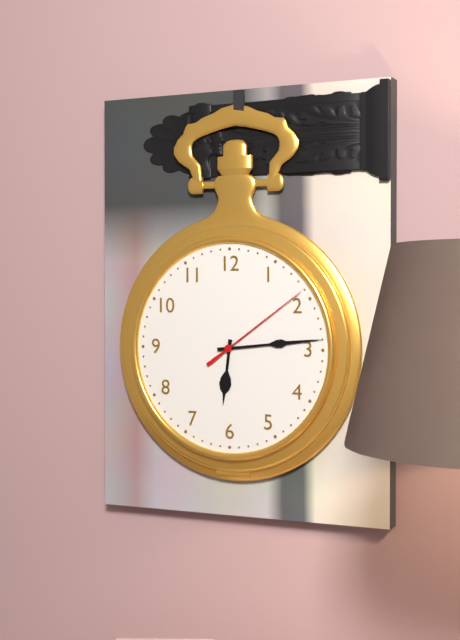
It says 6 h 14 min 09 s
